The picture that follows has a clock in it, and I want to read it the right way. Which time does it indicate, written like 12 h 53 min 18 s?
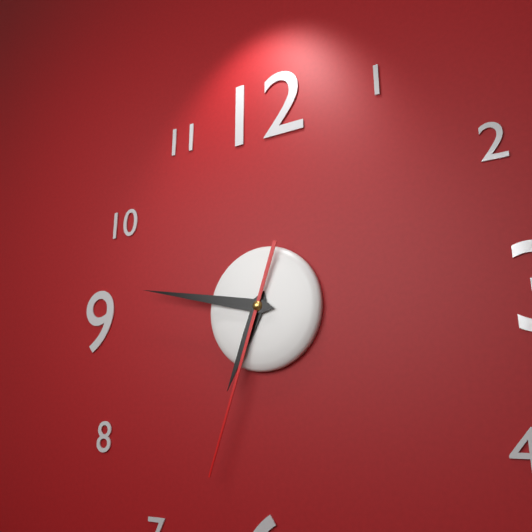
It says 6 h 47 min 33 s
